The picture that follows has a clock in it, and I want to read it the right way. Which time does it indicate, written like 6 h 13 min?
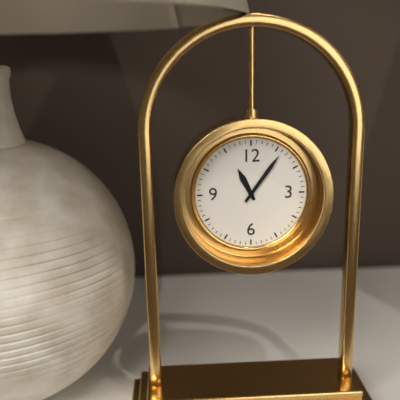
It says 11 h 06 min
